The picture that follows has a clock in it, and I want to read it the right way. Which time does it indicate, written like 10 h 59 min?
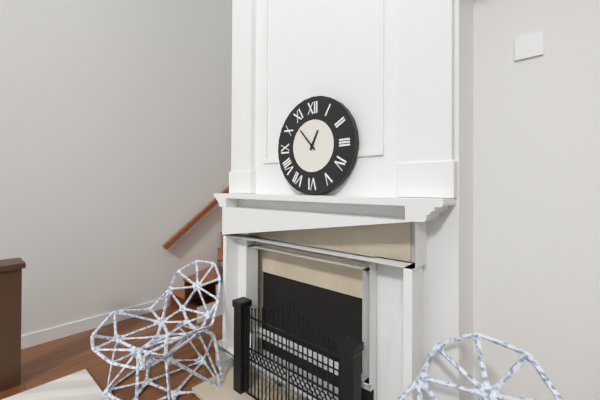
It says 12 h 53 min
